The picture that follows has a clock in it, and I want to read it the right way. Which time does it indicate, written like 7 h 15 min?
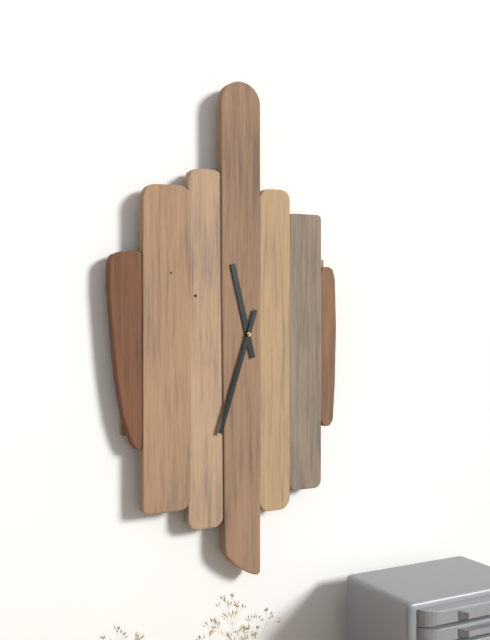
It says 11 h 33 min
